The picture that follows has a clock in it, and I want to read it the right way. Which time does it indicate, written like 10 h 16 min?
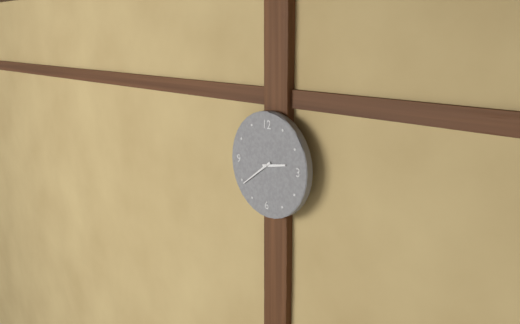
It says 2 h 39 min
